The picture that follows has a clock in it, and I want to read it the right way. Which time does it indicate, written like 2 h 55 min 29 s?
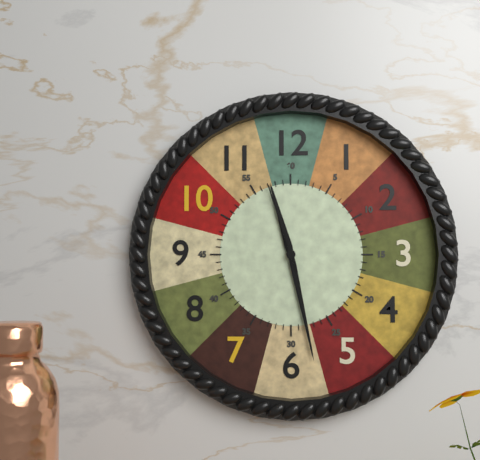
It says 11 h 28 min 57 s
